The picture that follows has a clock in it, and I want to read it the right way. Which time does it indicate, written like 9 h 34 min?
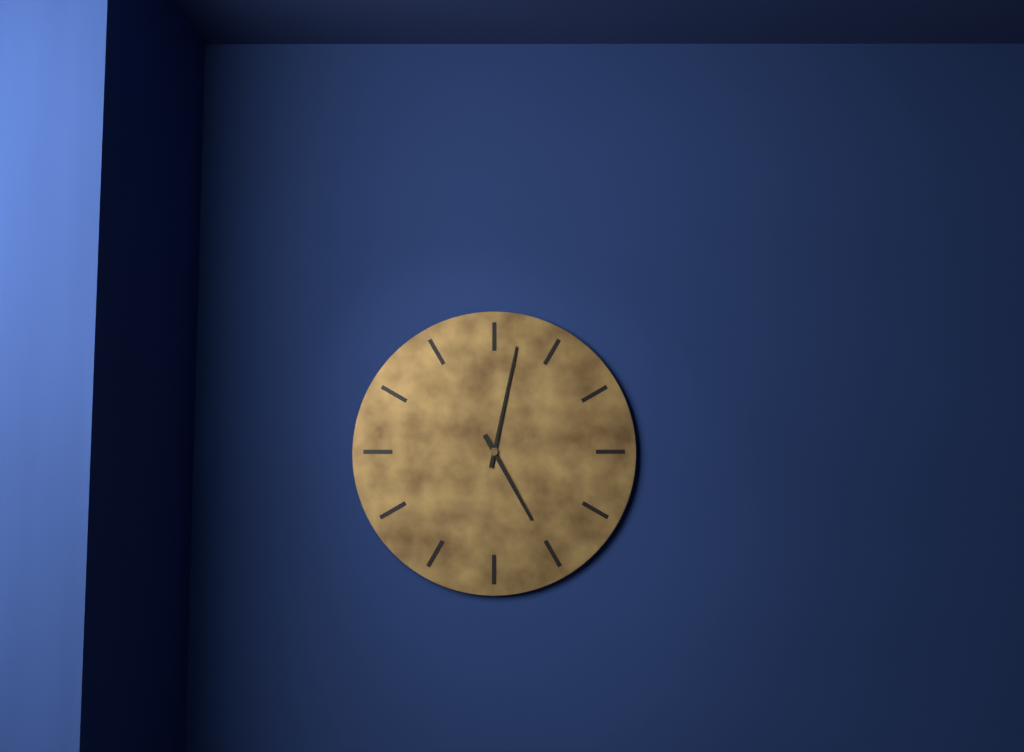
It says 5 h 02 min
